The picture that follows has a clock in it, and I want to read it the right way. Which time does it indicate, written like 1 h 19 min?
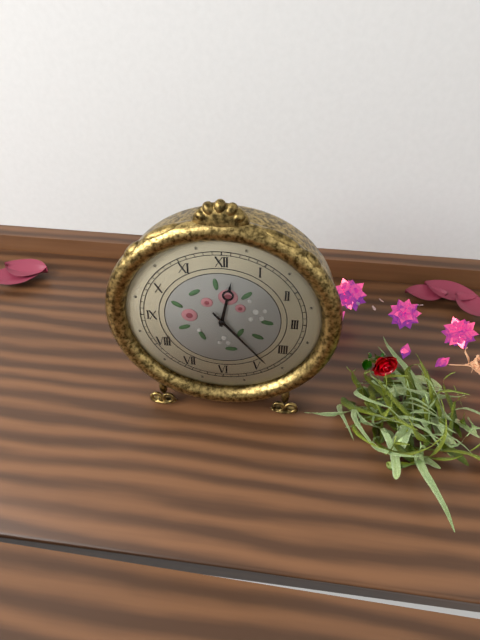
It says 12 h 23 min
